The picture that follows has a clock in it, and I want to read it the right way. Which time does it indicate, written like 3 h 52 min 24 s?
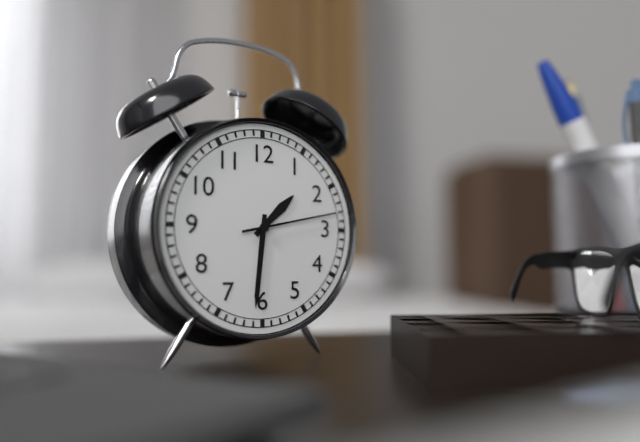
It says 1 h 31 min 13 s
